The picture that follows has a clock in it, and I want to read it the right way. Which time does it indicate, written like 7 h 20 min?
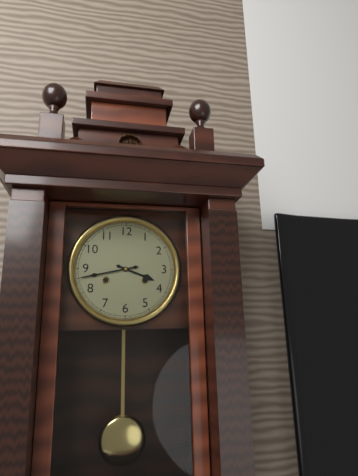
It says 3 h 43 min
